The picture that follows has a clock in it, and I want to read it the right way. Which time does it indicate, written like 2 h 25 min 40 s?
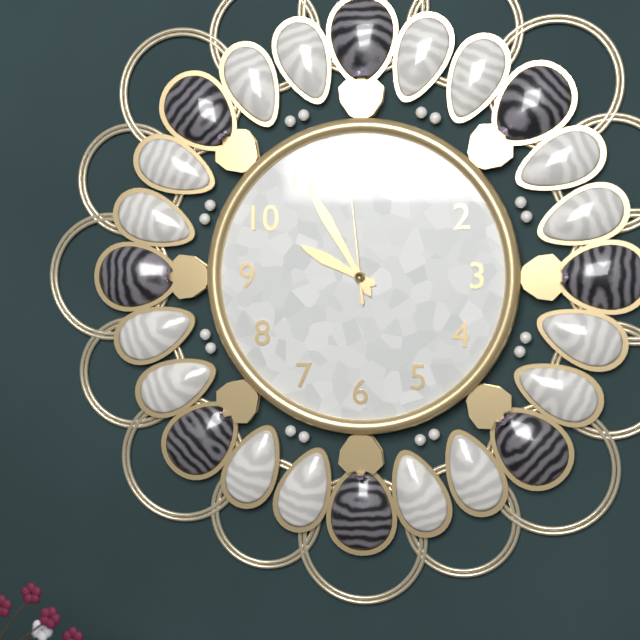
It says 9 h 55 min 59 s
